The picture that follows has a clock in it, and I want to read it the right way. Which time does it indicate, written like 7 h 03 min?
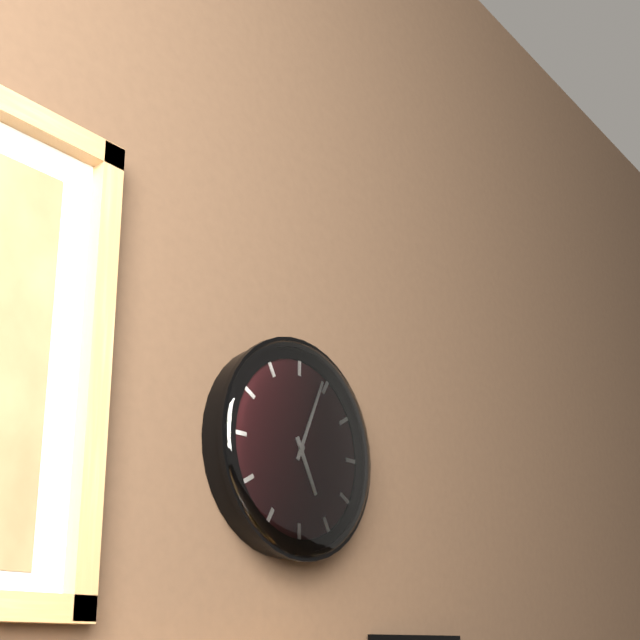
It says 5 h 04 min
